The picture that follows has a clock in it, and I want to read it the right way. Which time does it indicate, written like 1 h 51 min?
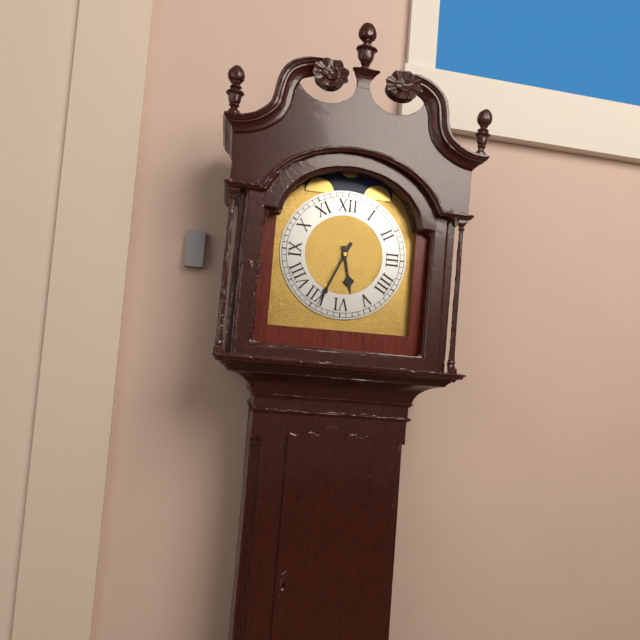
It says 5 h 34 min
